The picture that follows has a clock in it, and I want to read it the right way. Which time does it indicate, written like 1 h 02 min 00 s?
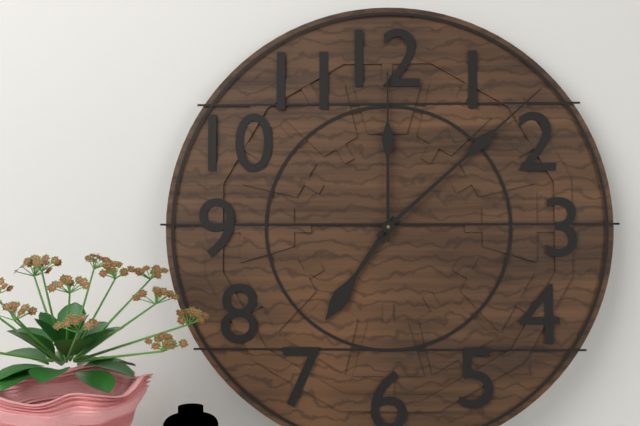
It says 7 h 08 min 00 s
